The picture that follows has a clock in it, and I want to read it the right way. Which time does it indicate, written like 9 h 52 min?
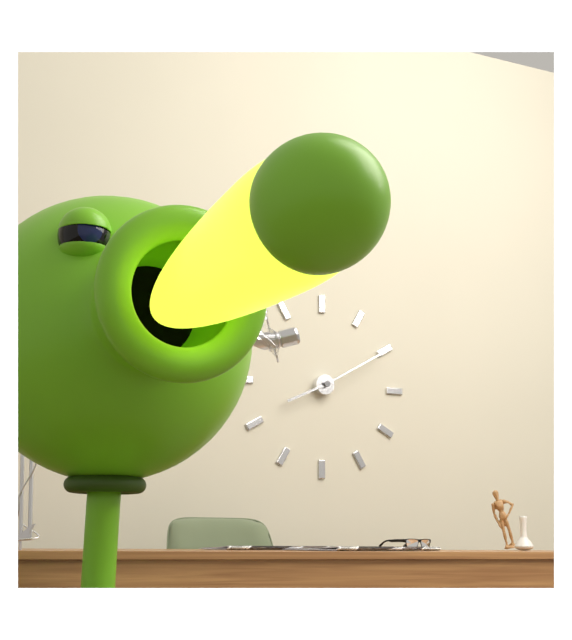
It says 8 h 10 min
